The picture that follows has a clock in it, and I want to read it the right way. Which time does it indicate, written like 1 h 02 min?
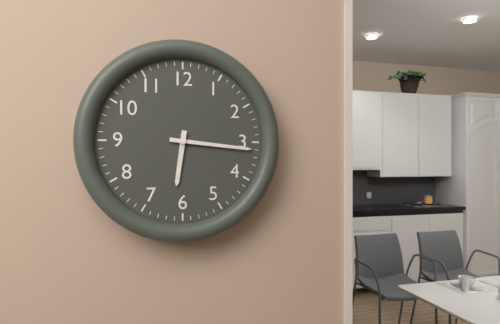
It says 6 h 16 min
